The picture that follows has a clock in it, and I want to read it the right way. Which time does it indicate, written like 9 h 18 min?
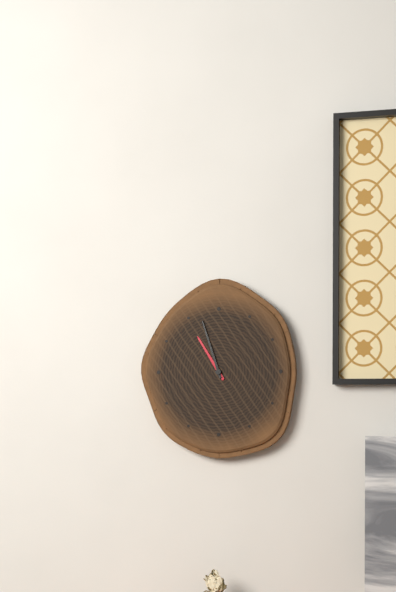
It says 10 h 57 min
